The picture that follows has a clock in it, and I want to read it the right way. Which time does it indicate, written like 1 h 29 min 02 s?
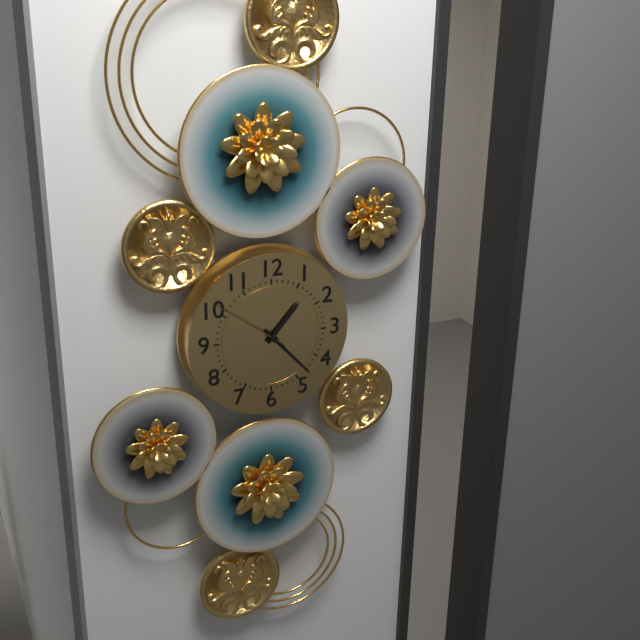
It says 1 h 23 min 51 s
